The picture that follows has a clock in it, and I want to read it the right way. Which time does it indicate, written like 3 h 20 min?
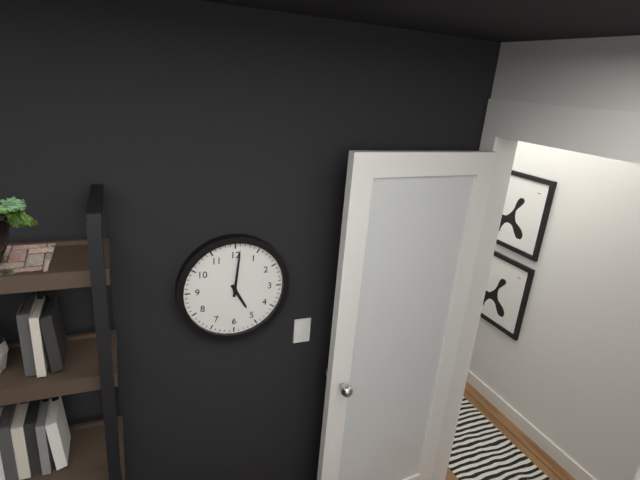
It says 5 h 01 min
